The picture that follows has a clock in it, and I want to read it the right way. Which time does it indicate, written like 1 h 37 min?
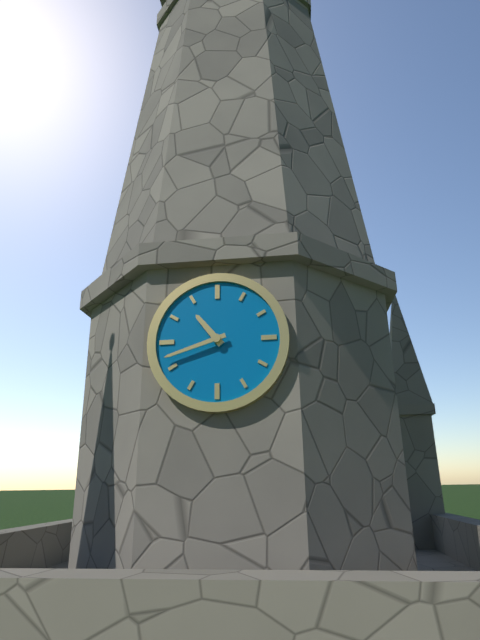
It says 10 h 42 min
